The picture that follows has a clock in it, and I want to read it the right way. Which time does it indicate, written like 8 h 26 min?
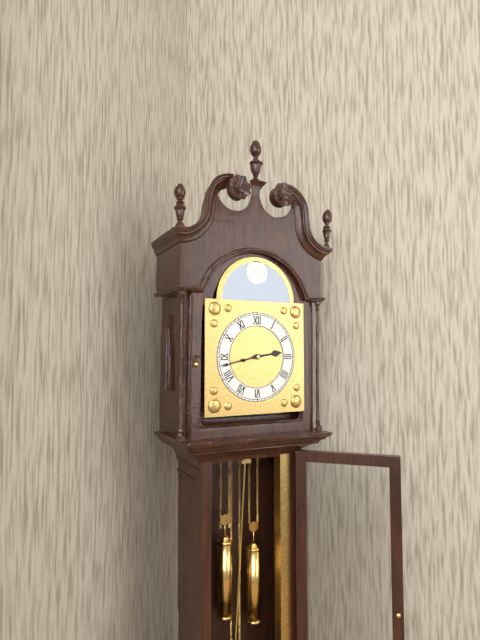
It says 2 h 43 min
